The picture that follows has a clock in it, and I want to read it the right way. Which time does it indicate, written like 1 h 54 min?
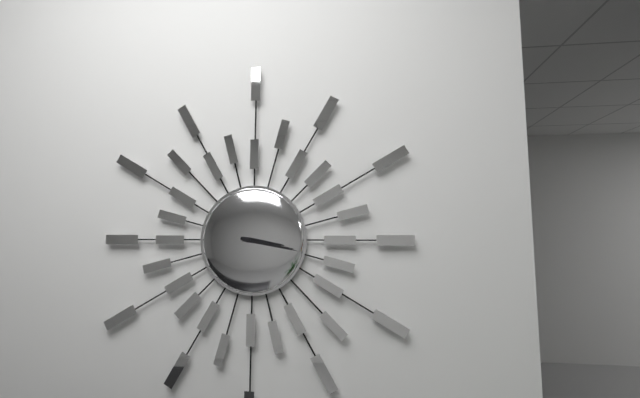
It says 3 h 17 min
